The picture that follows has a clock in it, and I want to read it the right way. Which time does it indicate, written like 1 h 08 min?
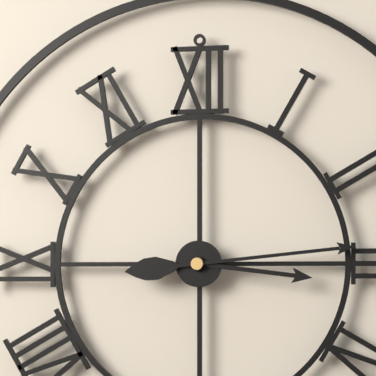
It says 3 h 14 min
